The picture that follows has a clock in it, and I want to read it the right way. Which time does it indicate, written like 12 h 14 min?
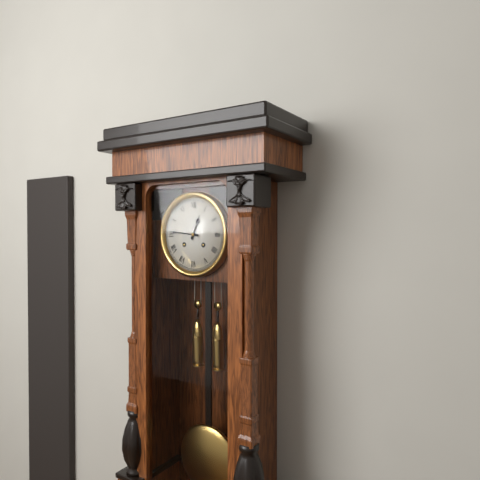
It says 12 h 46 min
